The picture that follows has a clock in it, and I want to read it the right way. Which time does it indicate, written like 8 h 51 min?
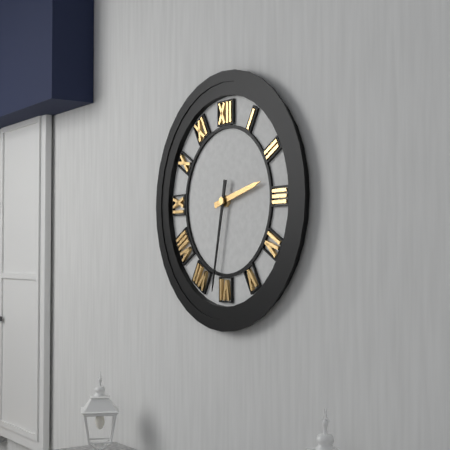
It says 2 h 32 min
